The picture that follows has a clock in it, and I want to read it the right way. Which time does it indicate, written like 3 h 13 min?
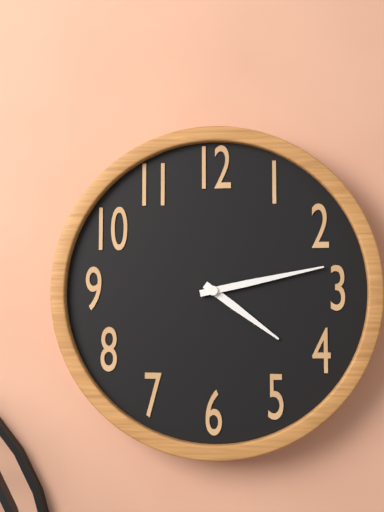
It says 4 h 13 min
